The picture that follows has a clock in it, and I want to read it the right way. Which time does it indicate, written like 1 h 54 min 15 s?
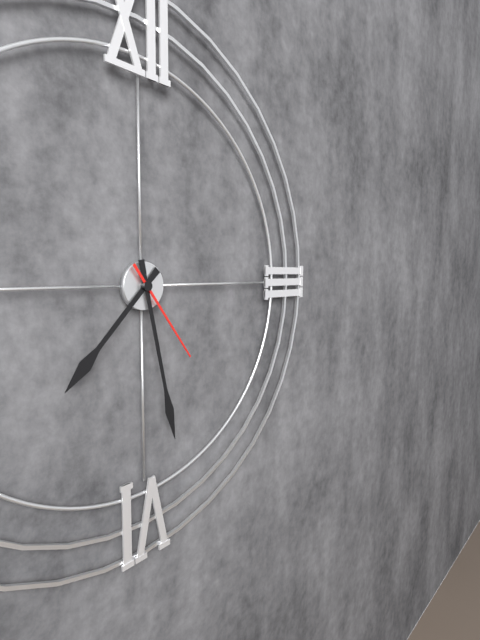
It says 7 h 28 min 24 s
